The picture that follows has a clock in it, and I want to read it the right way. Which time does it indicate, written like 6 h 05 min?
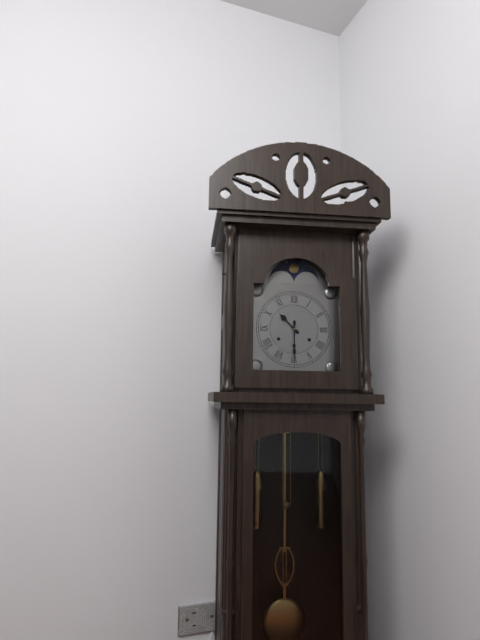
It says 10 h 30 min
